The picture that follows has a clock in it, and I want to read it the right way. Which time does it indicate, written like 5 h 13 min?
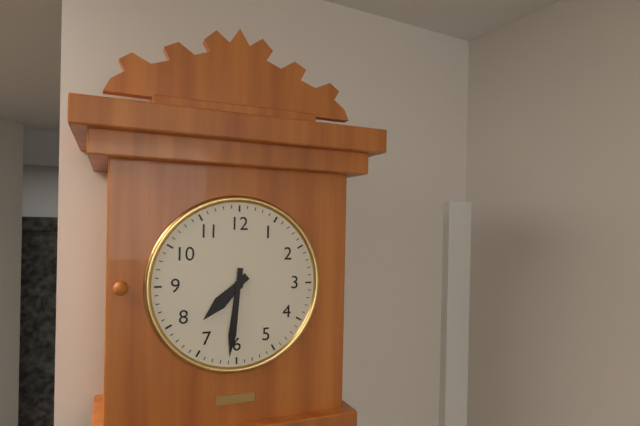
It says 7 h 31 min
